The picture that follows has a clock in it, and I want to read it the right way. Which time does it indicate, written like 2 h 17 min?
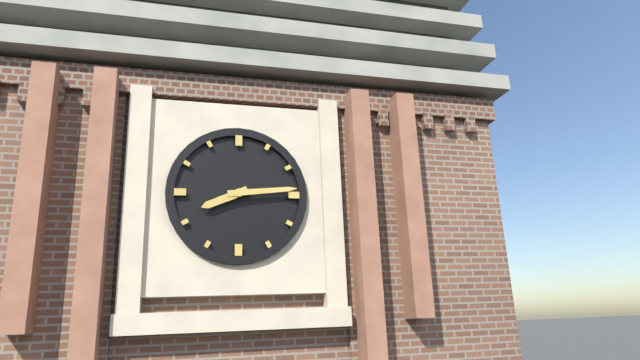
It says 8 h 14 min
